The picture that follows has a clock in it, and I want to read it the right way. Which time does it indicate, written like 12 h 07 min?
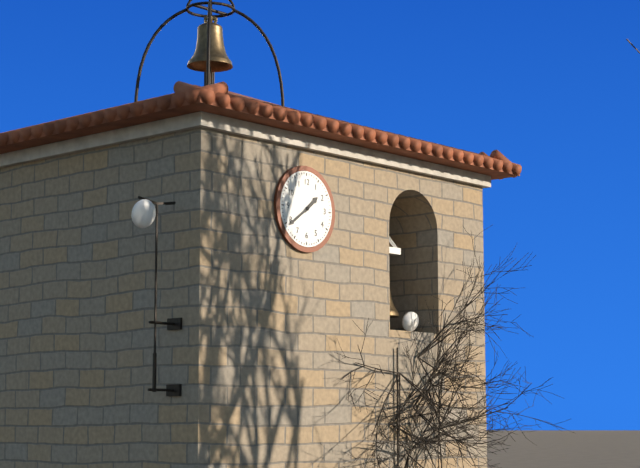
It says 1 h 39 min
